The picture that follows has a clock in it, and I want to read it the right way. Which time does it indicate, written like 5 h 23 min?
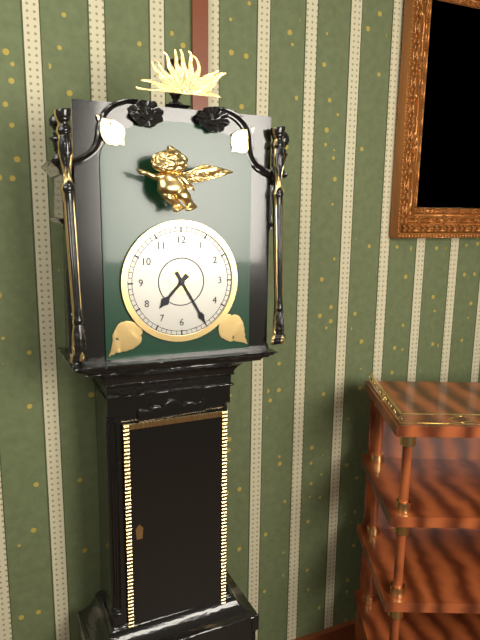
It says 7 h 25 min
